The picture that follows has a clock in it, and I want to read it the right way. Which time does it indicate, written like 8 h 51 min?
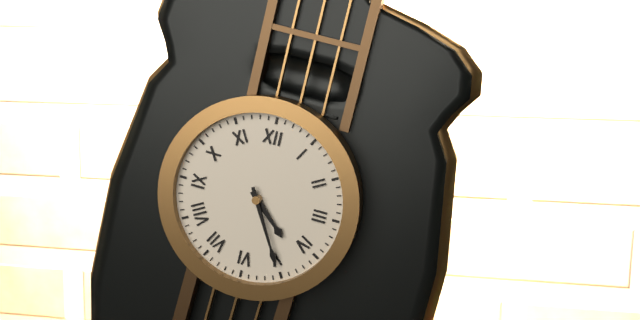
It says 4 h 25 min
